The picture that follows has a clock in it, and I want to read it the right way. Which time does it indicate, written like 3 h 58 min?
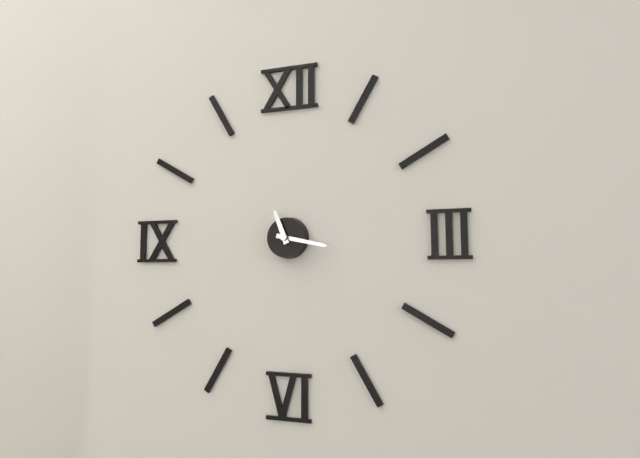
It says 11 h 17 min
